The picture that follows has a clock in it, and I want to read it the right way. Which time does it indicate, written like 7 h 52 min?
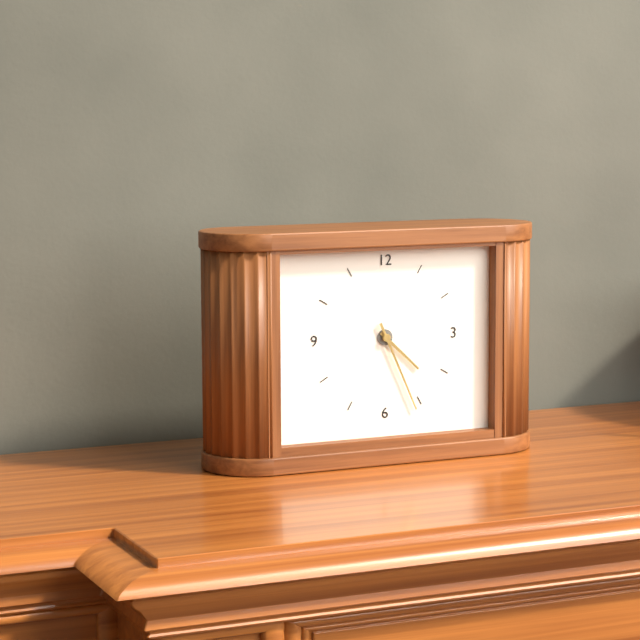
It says 4 h 26 min
